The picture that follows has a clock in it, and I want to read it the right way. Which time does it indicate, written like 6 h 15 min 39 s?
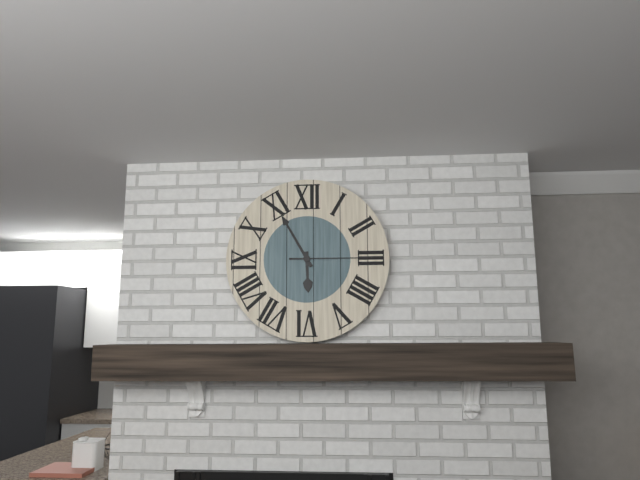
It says 5 h 55 min 15 s
